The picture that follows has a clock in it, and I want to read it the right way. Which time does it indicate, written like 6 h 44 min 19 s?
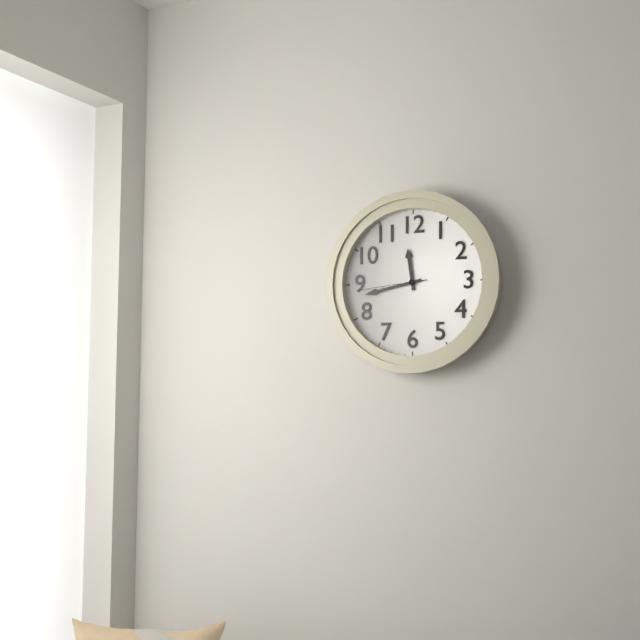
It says 11 h 43 min 44 s
